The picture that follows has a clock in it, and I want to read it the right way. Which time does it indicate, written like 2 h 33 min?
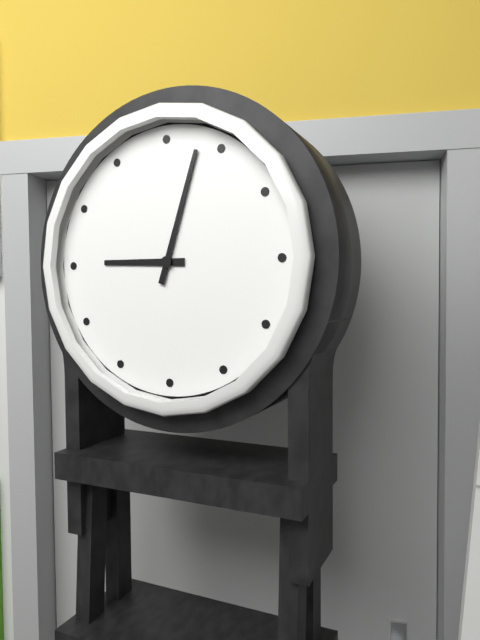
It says 9 h 03 min
